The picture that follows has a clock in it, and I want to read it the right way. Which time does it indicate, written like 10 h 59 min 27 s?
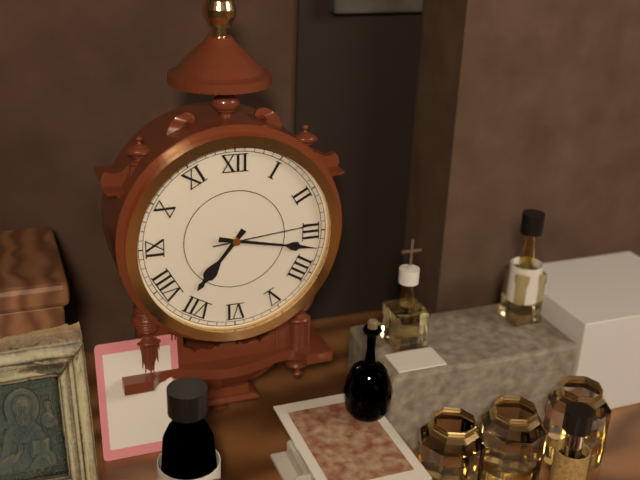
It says 7 h 17 min 14 s
